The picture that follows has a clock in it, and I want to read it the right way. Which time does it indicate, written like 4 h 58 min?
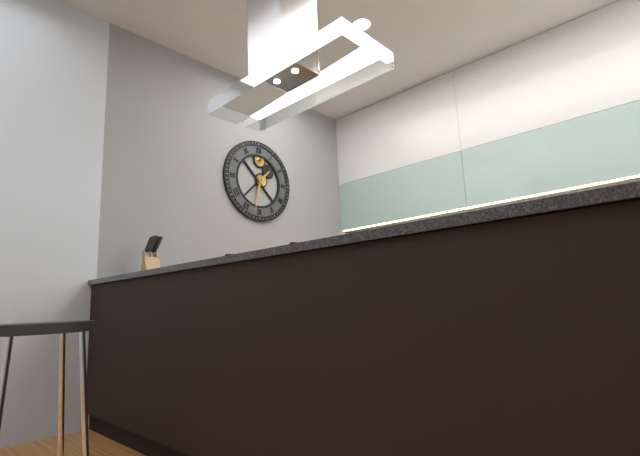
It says 1 h 32 min
